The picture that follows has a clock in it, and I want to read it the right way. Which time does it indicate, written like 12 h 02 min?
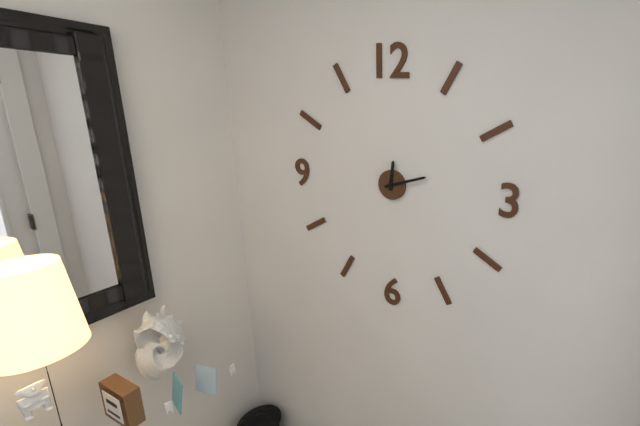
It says 12 h 12 min
